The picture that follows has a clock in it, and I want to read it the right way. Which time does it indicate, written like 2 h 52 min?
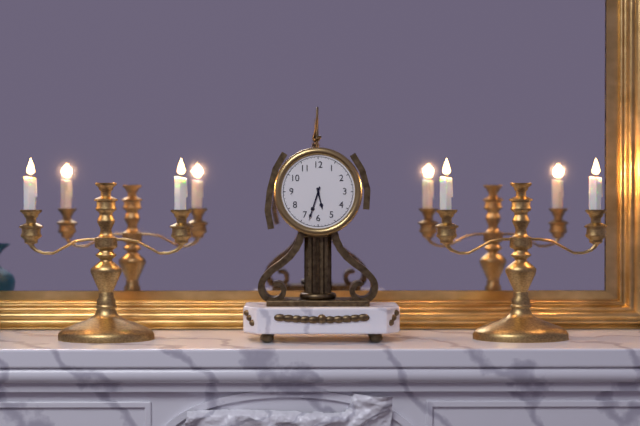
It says 5 h 33 min
